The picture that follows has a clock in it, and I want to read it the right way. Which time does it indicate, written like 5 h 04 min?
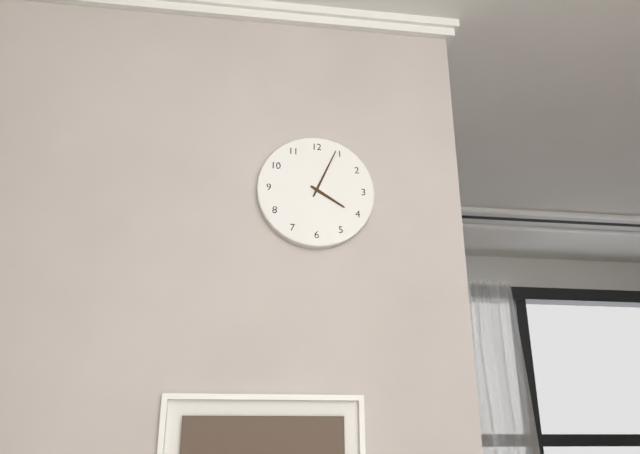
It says 4 h 04 min
